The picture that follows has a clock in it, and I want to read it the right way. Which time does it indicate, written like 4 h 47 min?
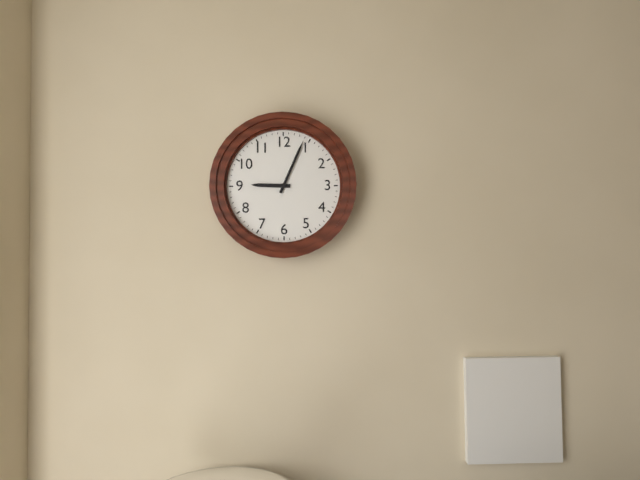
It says 9 h 04 min
